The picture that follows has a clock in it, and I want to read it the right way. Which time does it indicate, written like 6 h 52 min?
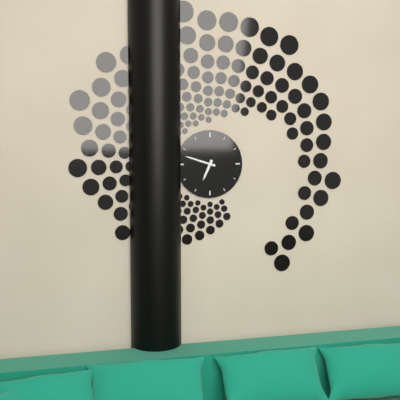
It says 6 h 48 min
